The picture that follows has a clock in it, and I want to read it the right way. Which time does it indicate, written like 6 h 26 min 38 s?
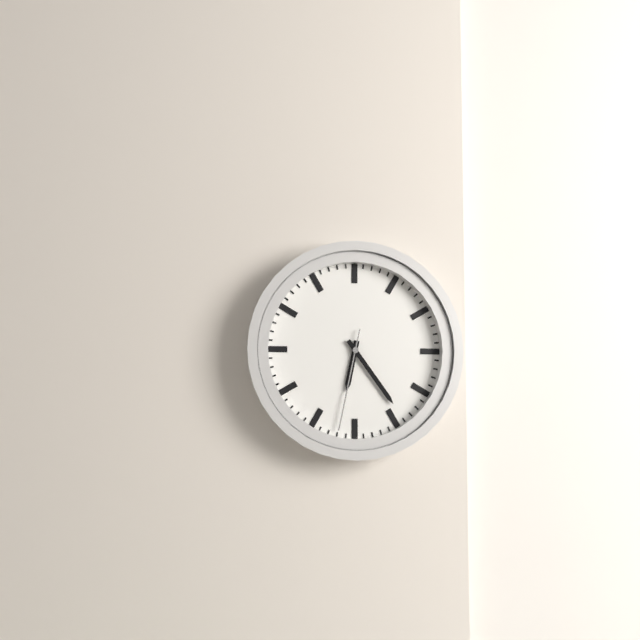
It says 6 h 24 min 32 s
